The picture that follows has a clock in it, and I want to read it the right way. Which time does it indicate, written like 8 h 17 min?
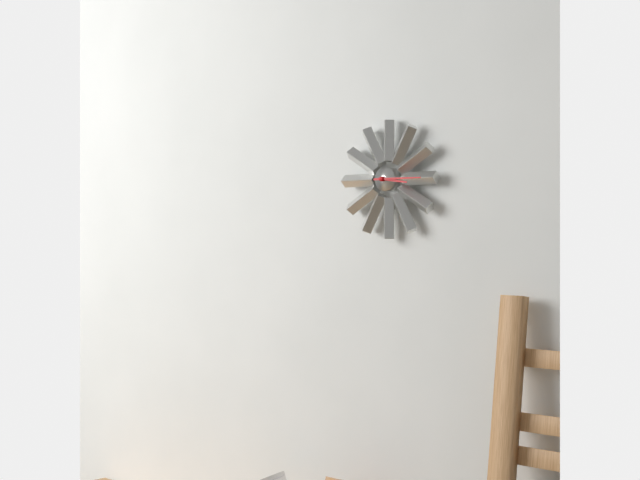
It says 3 h 15 min
